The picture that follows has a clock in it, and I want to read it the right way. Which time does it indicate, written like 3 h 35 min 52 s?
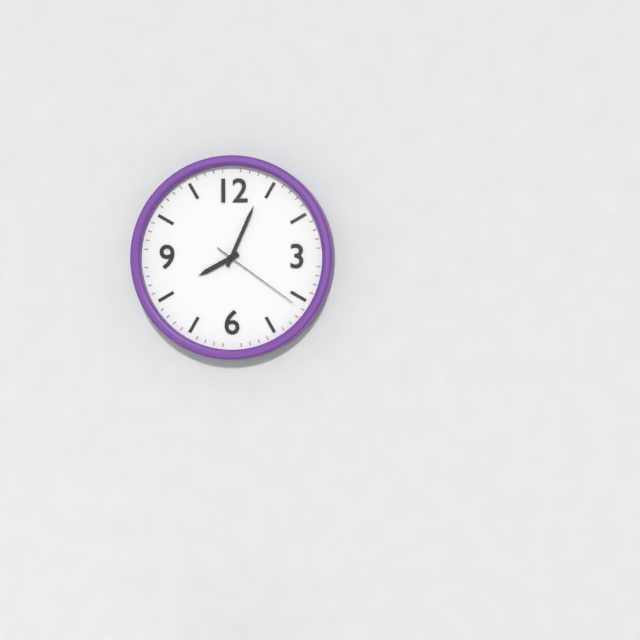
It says 8 h 04 min 21 s
